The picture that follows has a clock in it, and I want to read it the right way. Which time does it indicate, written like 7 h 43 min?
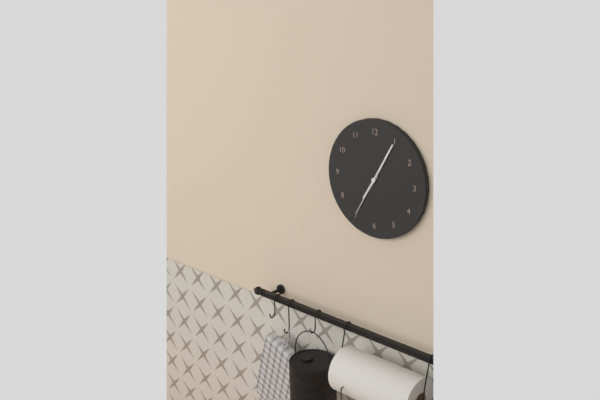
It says 7 h 05 min
